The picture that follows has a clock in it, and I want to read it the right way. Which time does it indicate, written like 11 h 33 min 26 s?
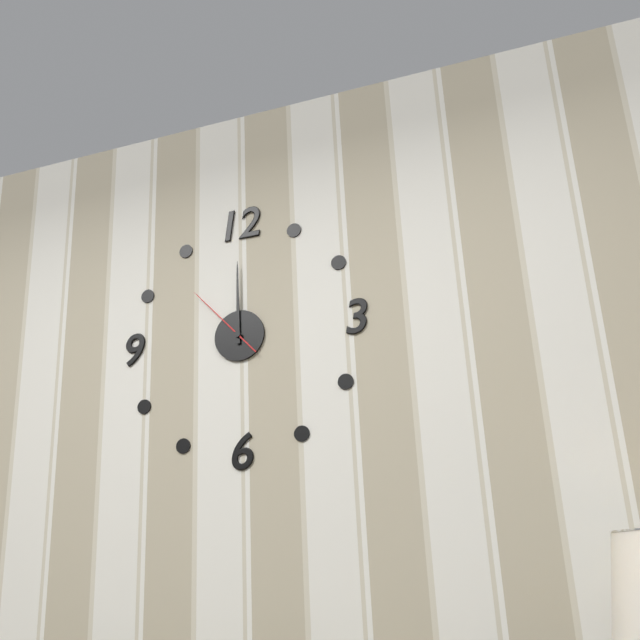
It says 12 h 00 min 53 s
